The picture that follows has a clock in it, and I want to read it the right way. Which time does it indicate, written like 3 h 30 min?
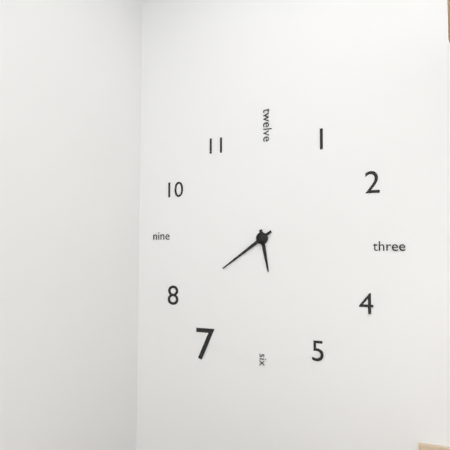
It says 5 h 39 min
